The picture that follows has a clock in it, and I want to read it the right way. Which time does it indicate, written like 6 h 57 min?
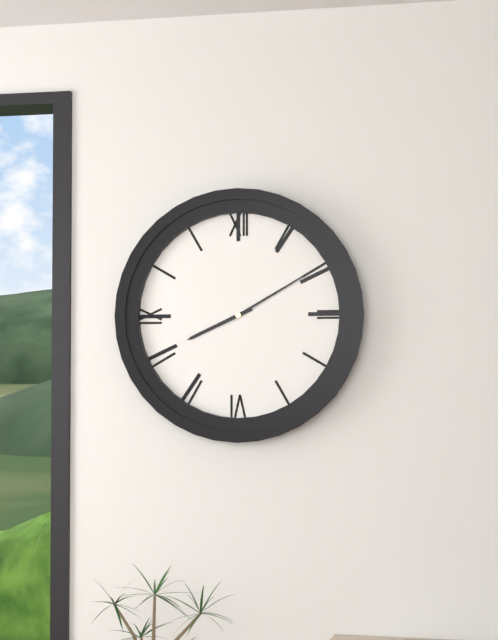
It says 8 h 10 min
